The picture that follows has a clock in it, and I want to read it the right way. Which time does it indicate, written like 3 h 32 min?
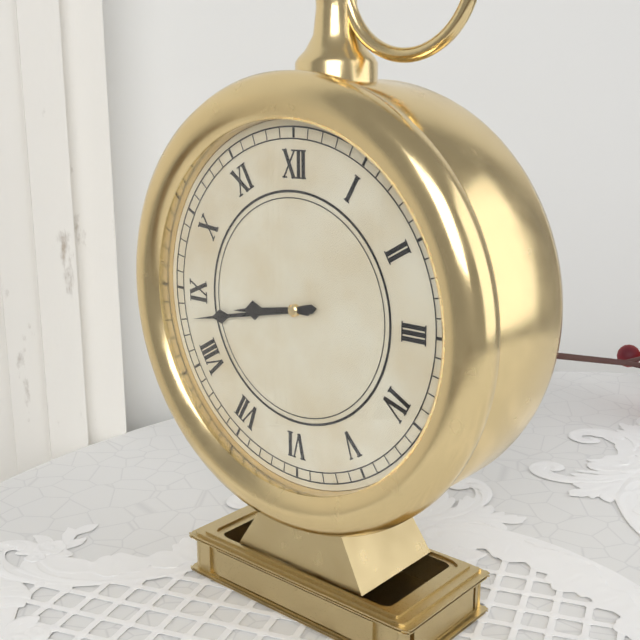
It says 8 h 43 min
